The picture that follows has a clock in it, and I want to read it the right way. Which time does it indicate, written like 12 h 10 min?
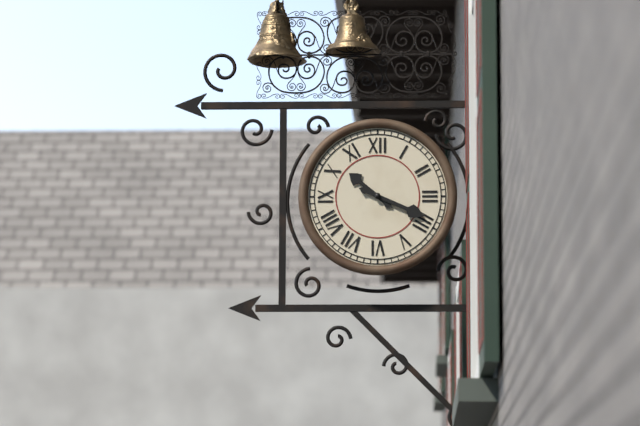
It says 10 h 19 min
